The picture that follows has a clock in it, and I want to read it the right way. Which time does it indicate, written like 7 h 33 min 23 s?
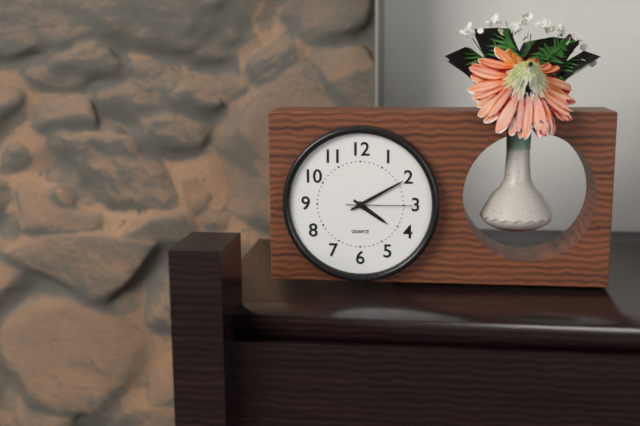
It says 4 h 10 min 15 s
